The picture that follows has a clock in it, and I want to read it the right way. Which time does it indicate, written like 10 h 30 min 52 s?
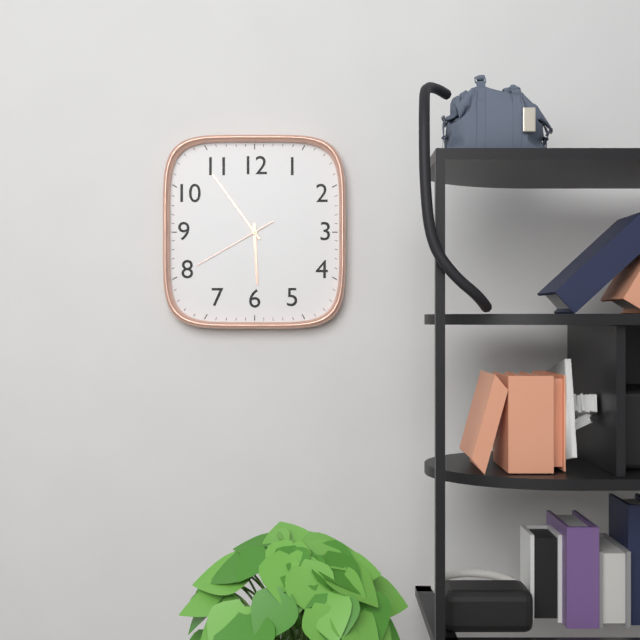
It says 5 h 54 min 40 s
